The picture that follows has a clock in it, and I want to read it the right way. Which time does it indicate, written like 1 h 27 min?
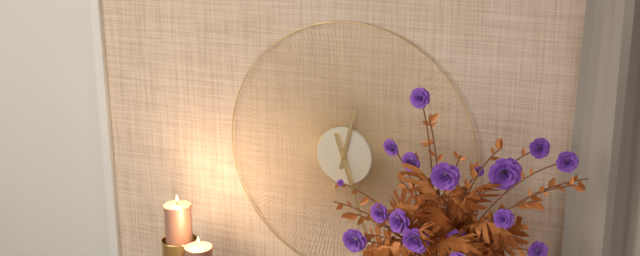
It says 12 h 27 min
